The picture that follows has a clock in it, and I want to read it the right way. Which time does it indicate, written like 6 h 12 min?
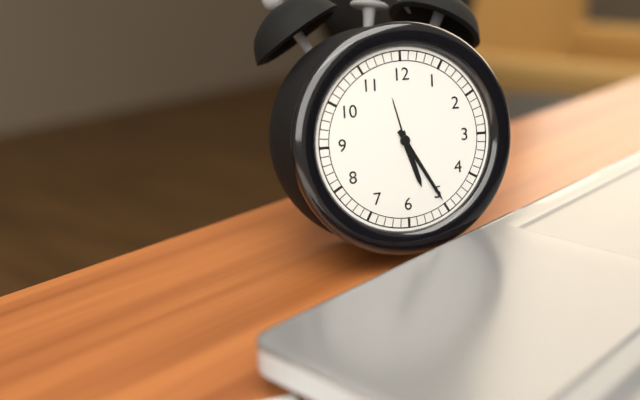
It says 5 h 25 min
